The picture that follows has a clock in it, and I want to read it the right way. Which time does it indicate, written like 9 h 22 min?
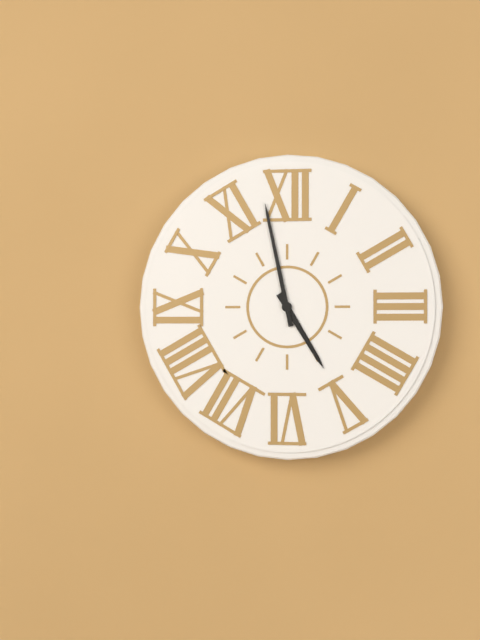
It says 4 h 58 min
